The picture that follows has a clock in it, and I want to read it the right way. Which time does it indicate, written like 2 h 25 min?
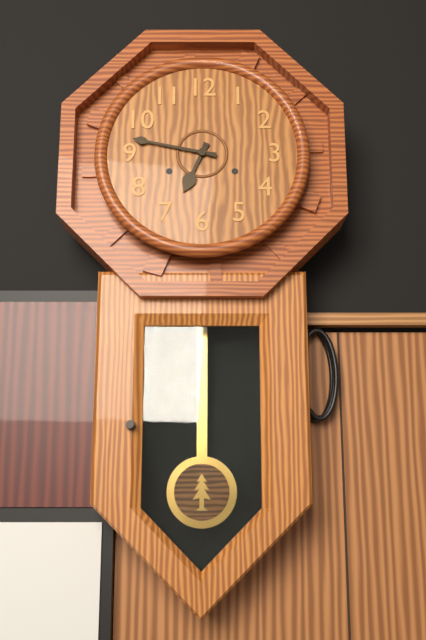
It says 6 h 47 min
